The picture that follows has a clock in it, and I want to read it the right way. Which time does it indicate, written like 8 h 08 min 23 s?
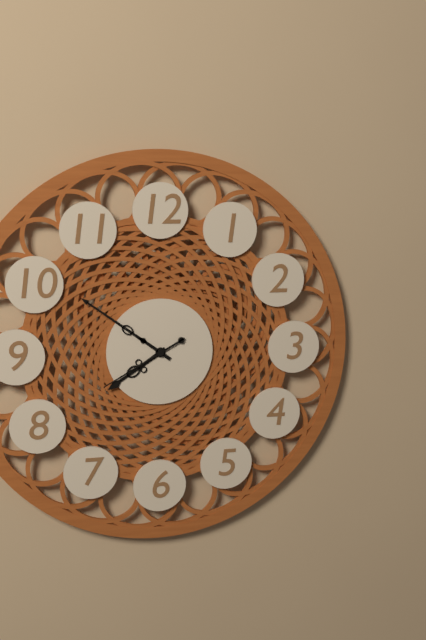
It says 7 h 51 min 40 s
